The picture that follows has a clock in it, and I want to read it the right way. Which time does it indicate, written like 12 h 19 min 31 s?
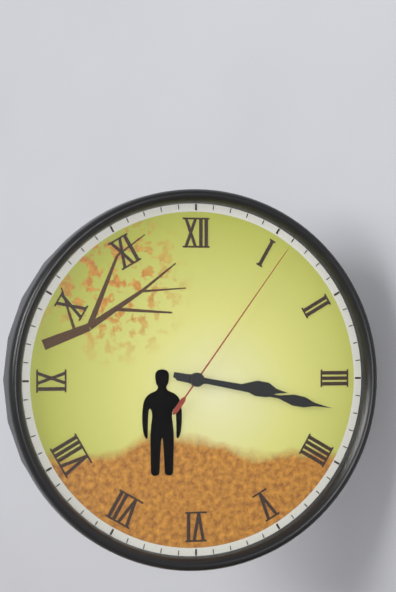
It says 3 h 17 min 06 s
